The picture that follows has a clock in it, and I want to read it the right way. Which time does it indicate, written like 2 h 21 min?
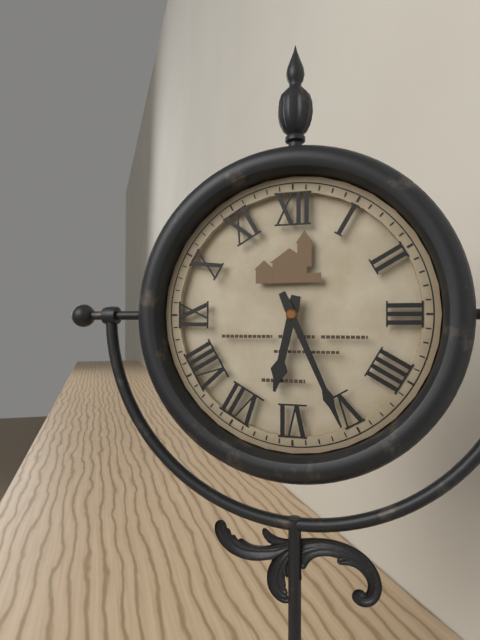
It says 6 h 26 min
